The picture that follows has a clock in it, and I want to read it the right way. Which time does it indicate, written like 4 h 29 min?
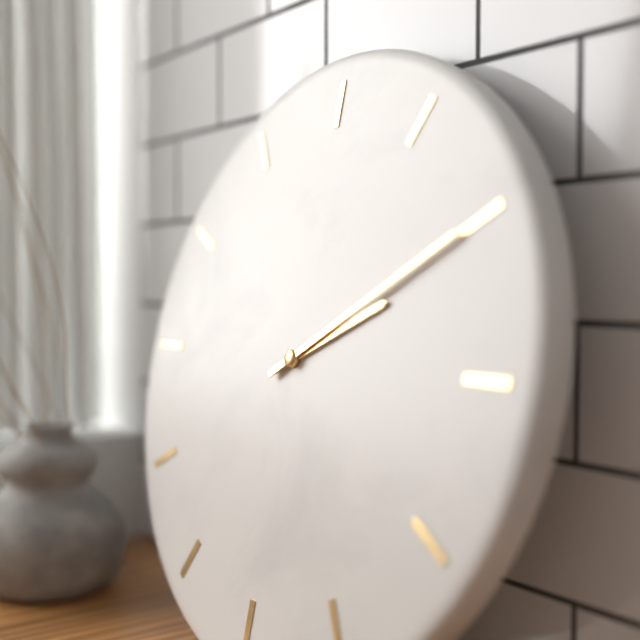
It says 2 h 10 min
